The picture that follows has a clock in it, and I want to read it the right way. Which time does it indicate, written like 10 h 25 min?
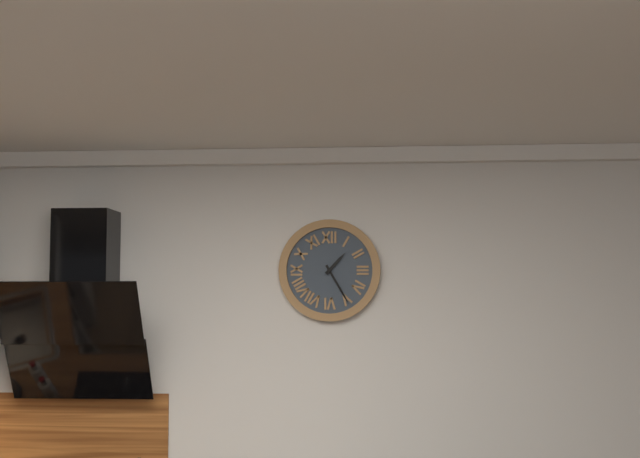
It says 1 h 25 min
